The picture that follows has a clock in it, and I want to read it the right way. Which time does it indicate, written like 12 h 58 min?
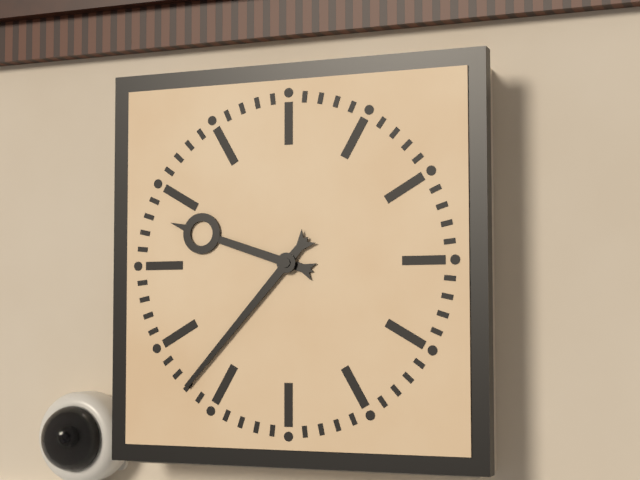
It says 9 h 37 min
